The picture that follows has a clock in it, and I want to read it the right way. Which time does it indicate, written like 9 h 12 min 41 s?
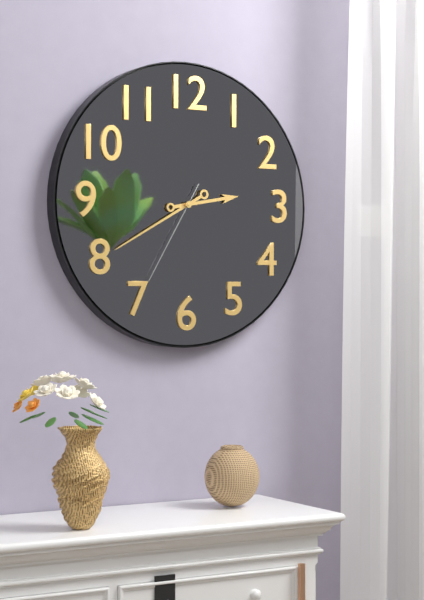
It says 2 h 40 min 35 s
